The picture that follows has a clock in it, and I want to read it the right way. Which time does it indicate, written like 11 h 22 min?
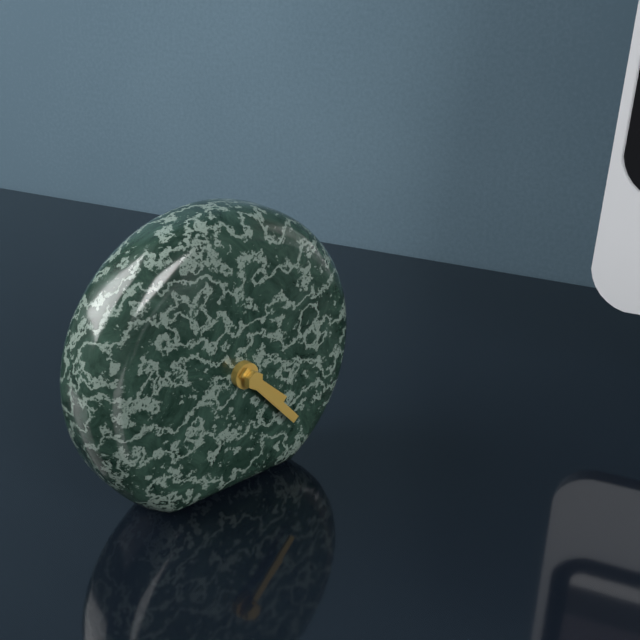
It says 4 h 23 min
